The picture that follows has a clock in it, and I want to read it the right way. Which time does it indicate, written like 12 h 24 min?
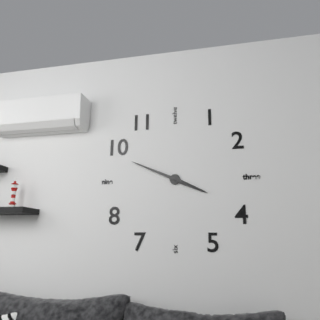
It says 3 h 49 min
